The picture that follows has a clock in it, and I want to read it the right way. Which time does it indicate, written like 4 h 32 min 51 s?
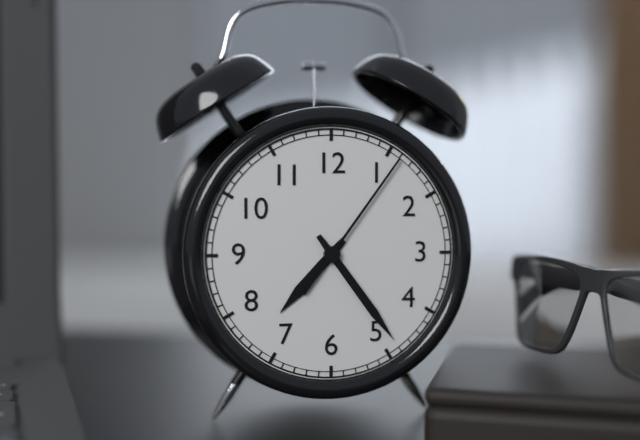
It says 7 h 24 min 06 s
